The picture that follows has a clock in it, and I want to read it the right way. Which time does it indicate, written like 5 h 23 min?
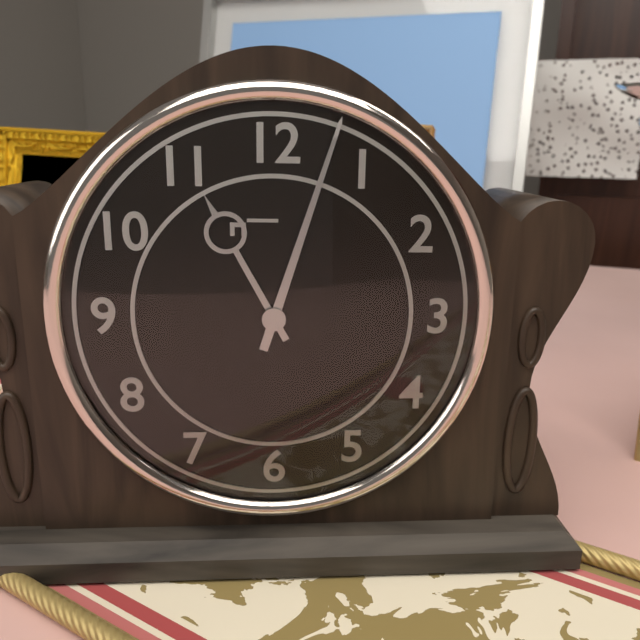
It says 11 h 03 min
